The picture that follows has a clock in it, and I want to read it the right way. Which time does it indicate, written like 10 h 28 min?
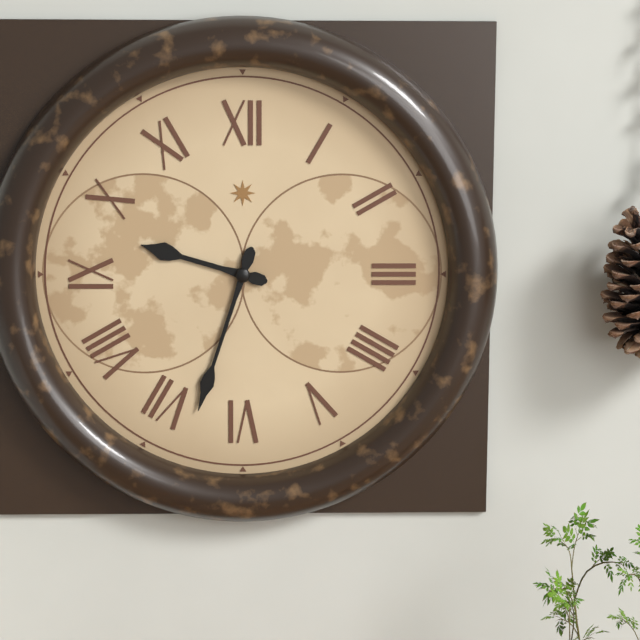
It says 9 h 33 min
